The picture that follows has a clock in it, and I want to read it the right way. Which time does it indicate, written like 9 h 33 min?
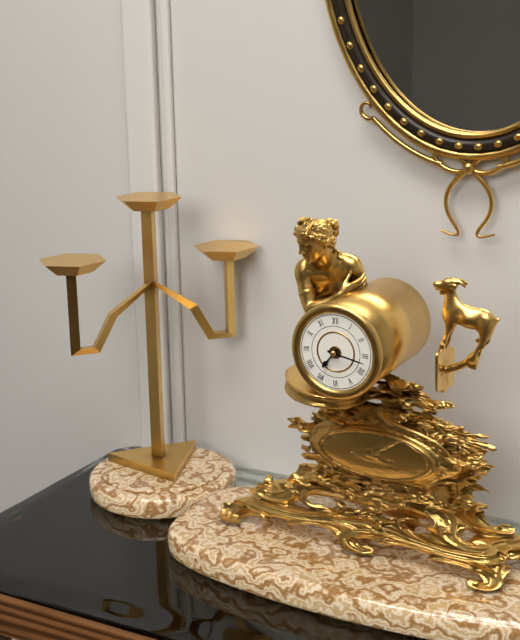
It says 7 h 17 min
